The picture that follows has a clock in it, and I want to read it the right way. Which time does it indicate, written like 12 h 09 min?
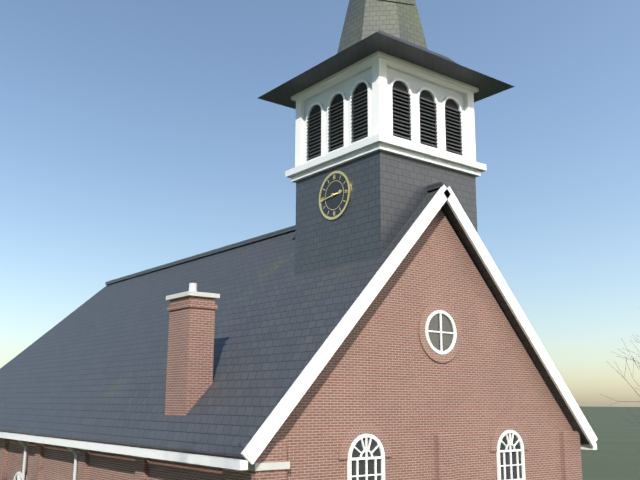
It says 2 h 44 min
